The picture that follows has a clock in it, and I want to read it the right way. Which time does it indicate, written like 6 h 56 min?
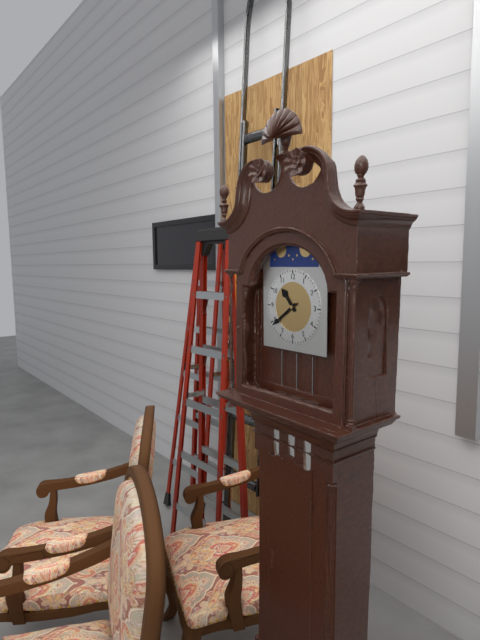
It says 10 h 39 min
